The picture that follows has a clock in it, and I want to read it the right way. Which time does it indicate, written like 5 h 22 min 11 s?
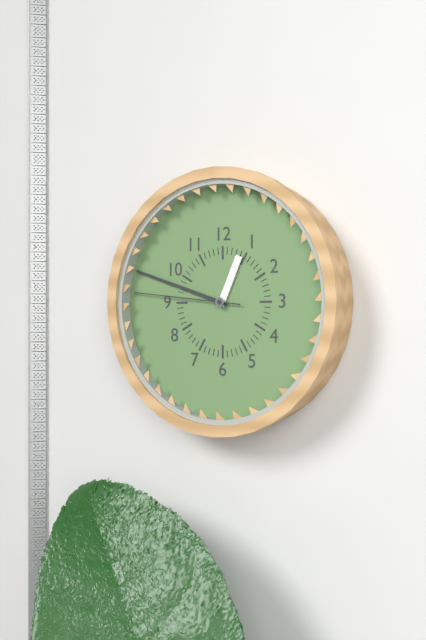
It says 12 h 48 min 46 s
